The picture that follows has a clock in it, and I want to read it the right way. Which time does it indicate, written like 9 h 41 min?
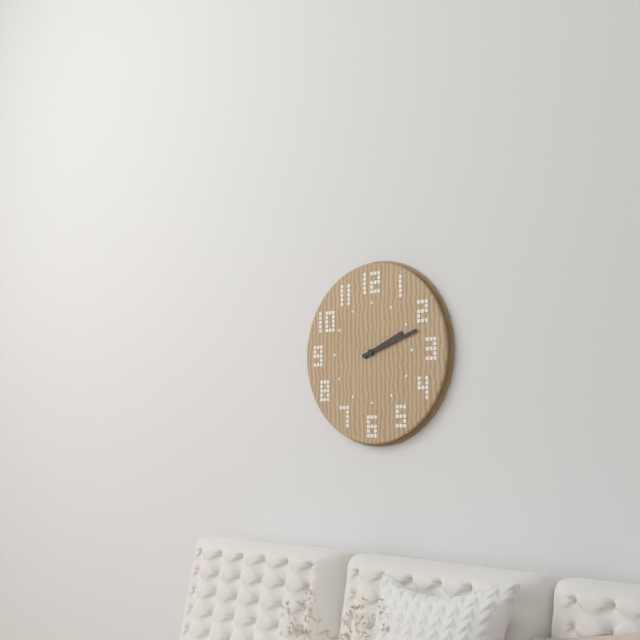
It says 2 h 12 min
